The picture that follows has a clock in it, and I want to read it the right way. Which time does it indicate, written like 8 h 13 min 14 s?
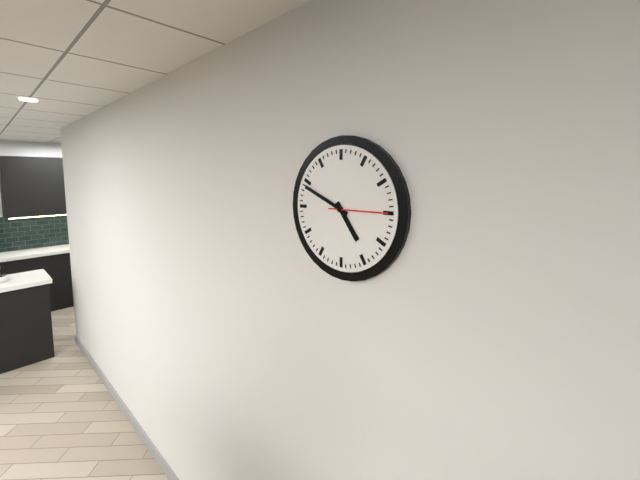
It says 4 h 49 min 15 s
